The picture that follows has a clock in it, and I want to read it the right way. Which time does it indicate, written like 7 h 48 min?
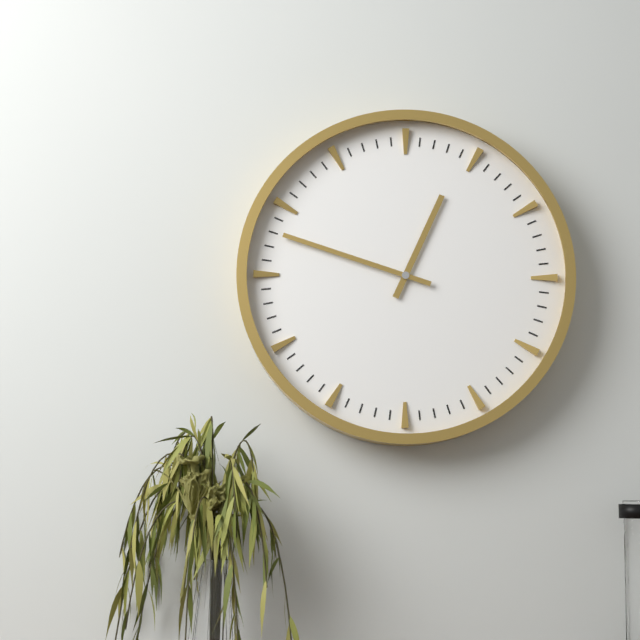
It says 12 h 48 min
